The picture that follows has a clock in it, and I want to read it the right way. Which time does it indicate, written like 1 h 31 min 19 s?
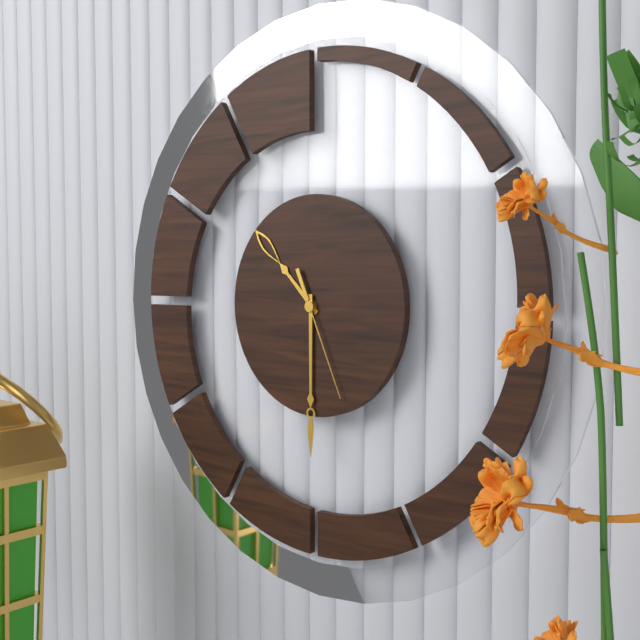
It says 10 h 30 min 26 s
